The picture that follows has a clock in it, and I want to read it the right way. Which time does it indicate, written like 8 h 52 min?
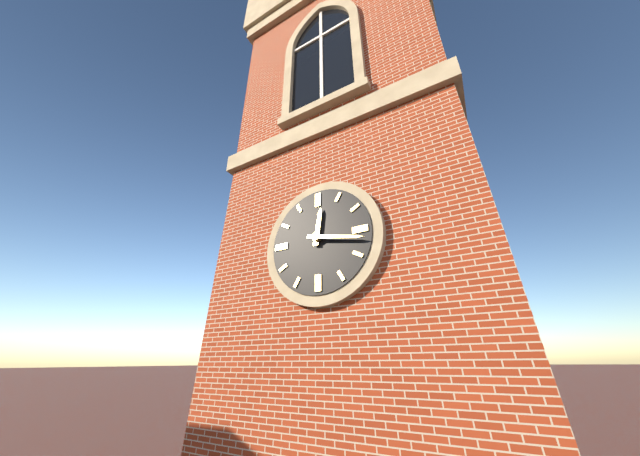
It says 12 h 17 min
